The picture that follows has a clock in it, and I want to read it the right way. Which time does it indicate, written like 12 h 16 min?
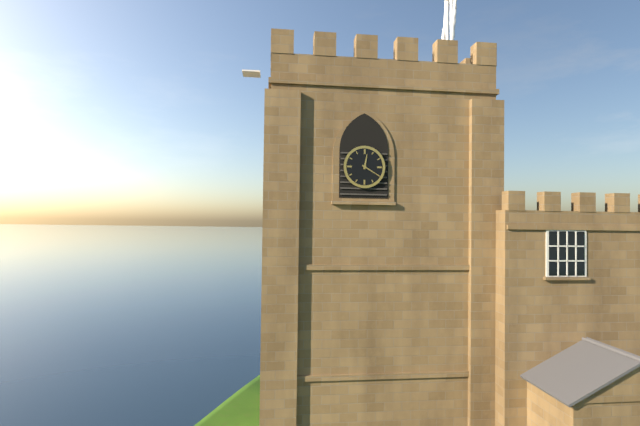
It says 12 h 20 min
